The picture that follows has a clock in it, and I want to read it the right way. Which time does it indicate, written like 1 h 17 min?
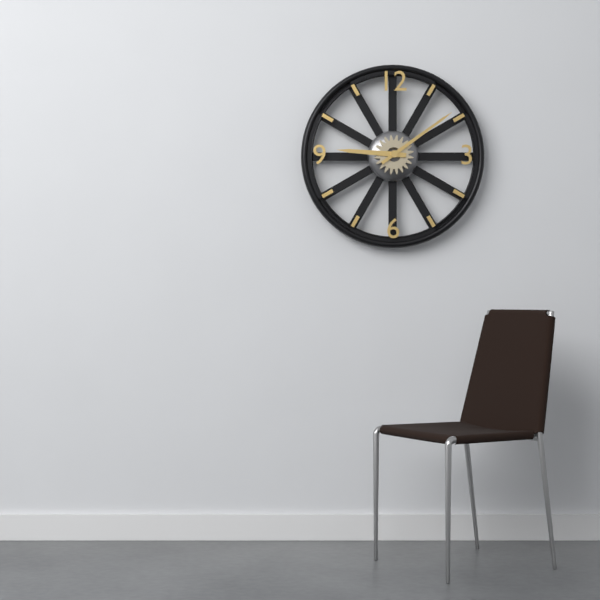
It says 9 h 09 min
